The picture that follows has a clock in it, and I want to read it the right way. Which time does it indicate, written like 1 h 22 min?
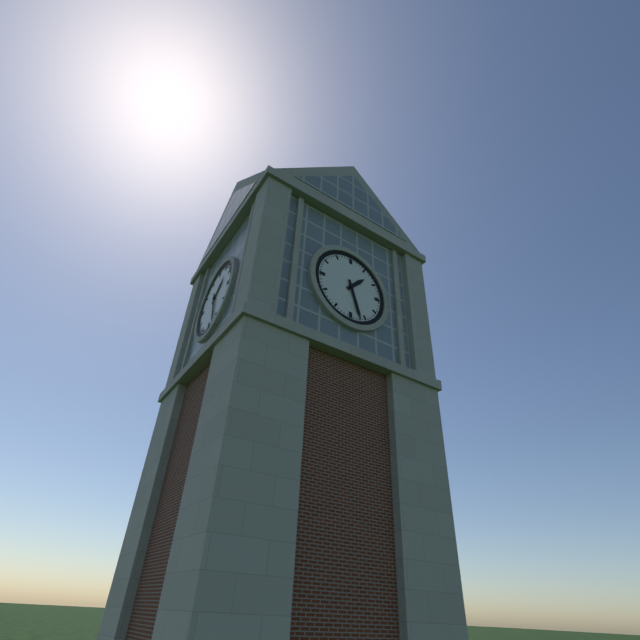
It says 1 h 27 min
